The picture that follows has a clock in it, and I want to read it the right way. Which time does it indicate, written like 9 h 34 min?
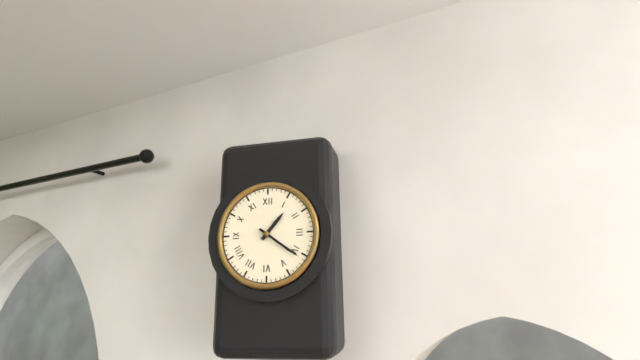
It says 1 h 21 min
